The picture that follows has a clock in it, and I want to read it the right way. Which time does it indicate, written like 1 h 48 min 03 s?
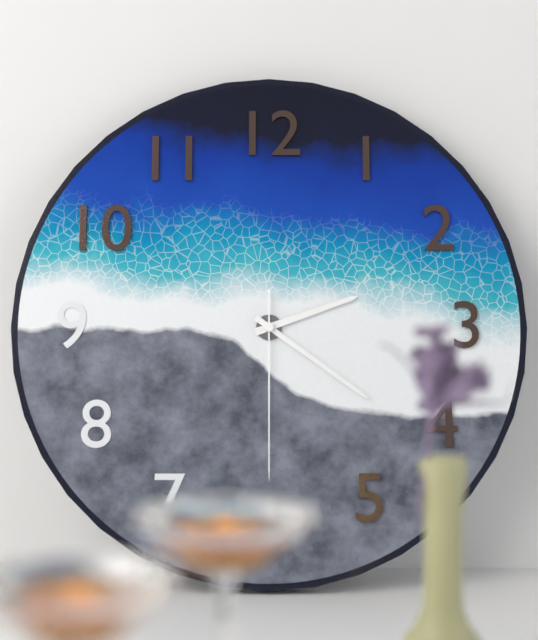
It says 2 h 21 min 30 s
